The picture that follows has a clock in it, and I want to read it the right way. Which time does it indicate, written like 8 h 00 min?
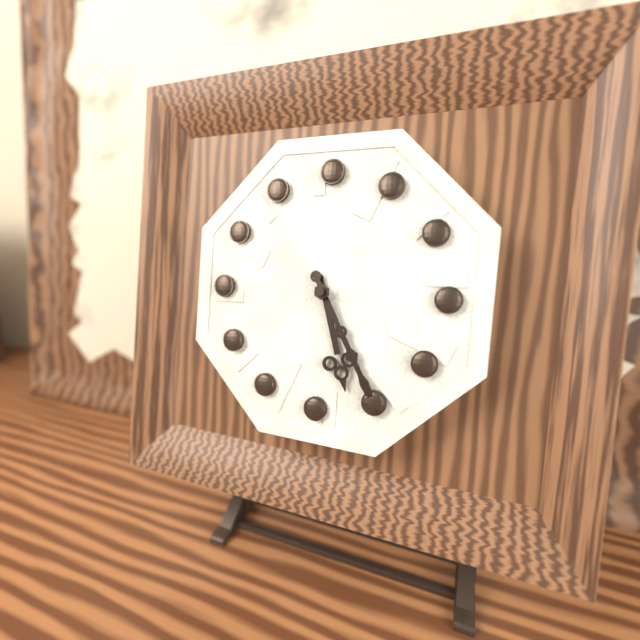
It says 5 h 25 min
